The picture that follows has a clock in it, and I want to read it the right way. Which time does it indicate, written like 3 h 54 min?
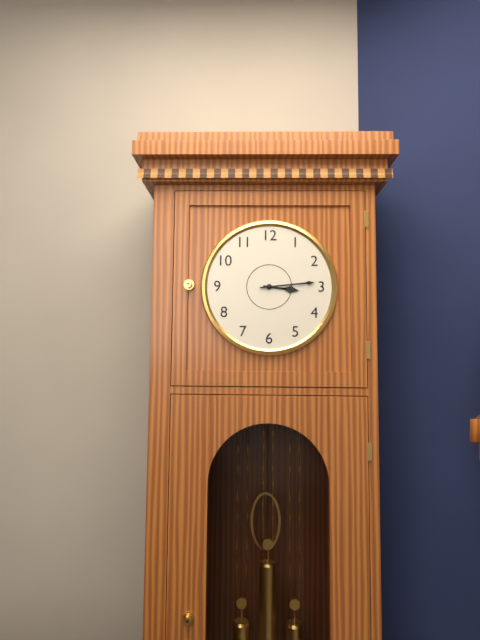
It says 3 h 14 min
